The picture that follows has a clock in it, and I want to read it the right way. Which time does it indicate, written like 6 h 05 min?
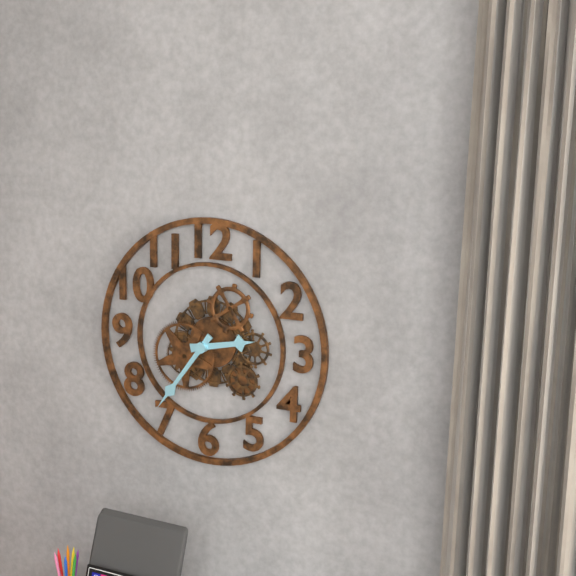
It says 2 h 36 min
